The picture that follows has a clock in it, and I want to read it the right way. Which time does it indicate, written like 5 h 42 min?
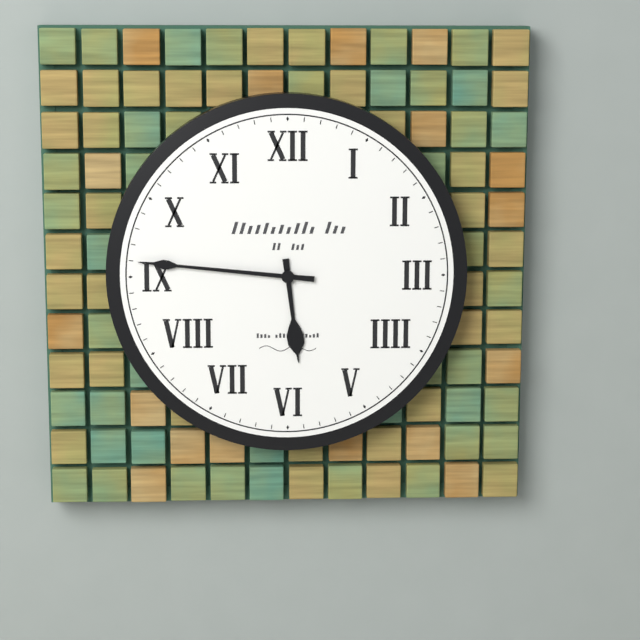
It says 5 h 46 min
